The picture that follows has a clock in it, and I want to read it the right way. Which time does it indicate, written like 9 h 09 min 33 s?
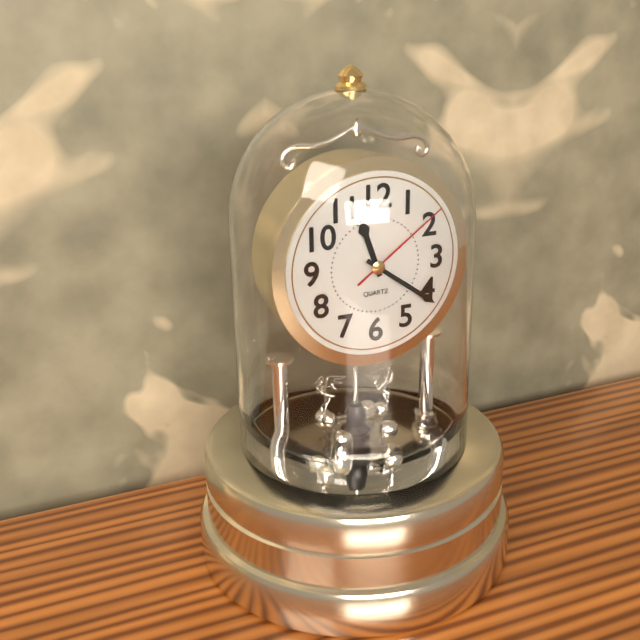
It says 11 h 21 min 09 s
